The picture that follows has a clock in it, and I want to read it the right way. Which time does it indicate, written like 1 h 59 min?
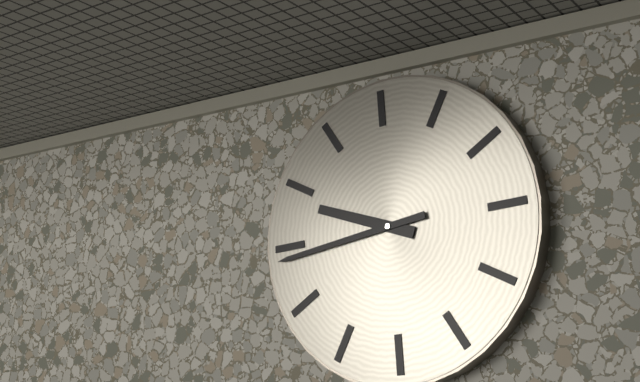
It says 9 h 44 min
